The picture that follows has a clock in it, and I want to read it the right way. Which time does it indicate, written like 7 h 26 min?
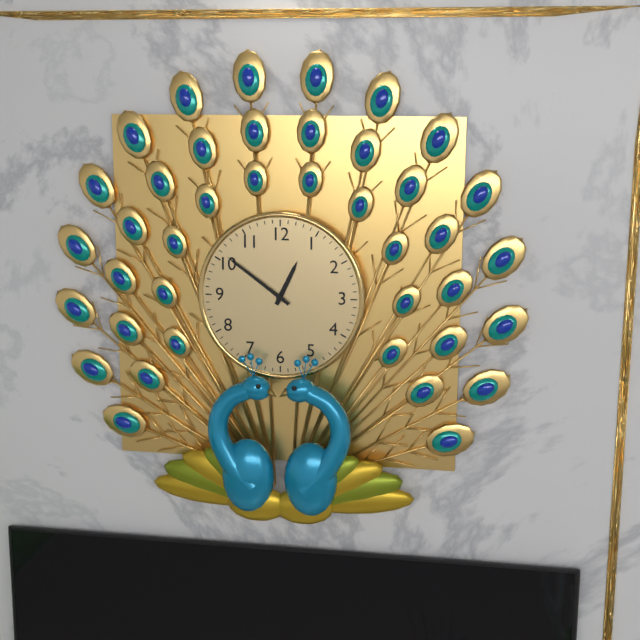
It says 12 h 51 min
